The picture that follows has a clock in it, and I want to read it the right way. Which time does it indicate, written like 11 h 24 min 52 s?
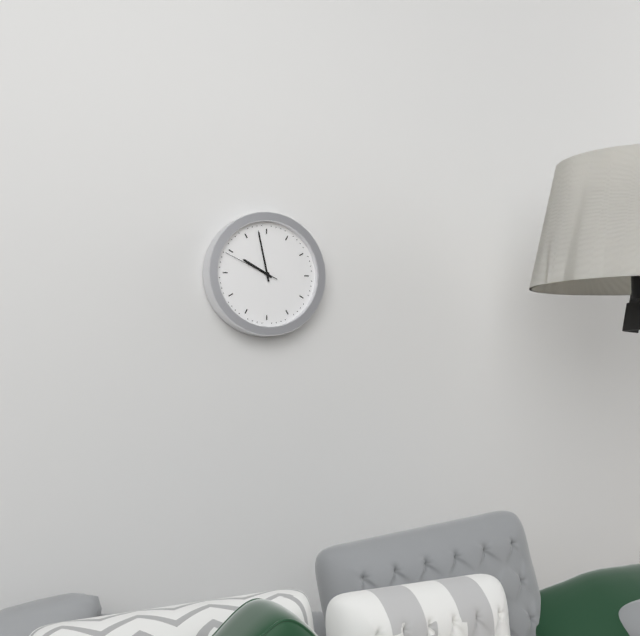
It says 9 h 58 min 49 s
